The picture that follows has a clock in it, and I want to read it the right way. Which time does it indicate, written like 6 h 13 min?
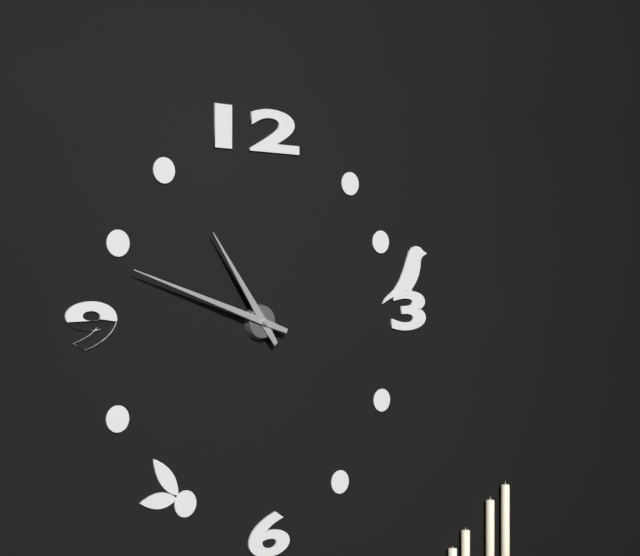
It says 10 h 48 min
